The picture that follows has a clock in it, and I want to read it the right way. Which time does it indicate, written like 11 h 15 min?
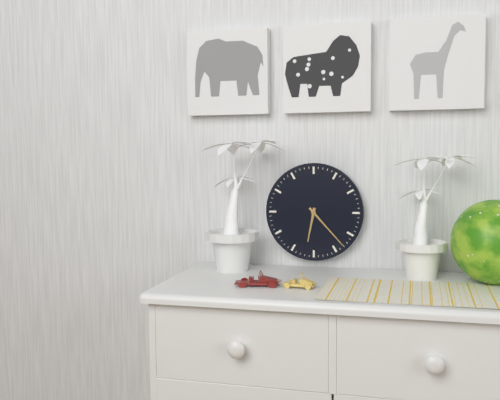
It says 6 h 23 min
